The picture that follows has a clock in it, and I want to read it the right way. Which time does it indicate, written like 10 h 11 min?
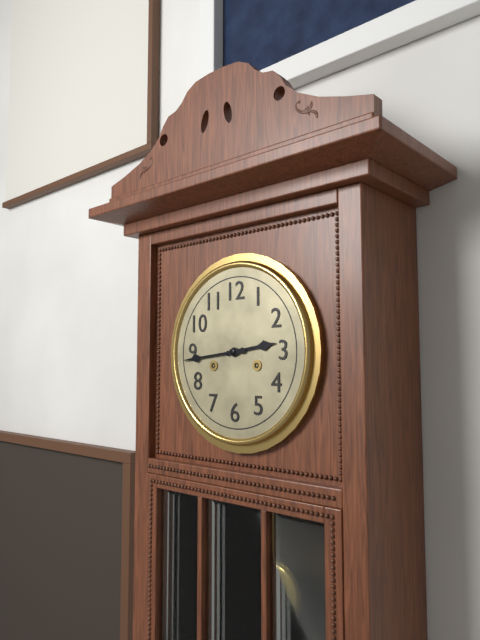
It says 2 h 44 min
